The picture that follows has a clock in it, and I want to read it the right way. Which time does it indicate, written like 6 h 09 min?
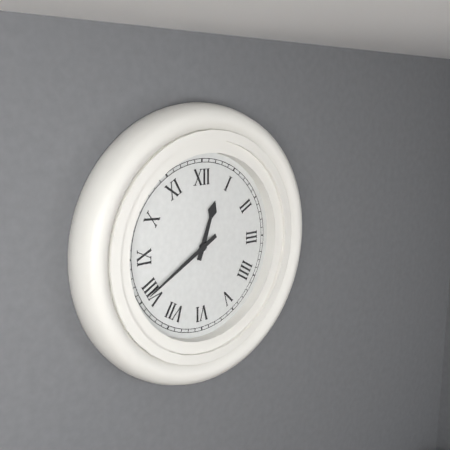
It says 12 h 40 min
